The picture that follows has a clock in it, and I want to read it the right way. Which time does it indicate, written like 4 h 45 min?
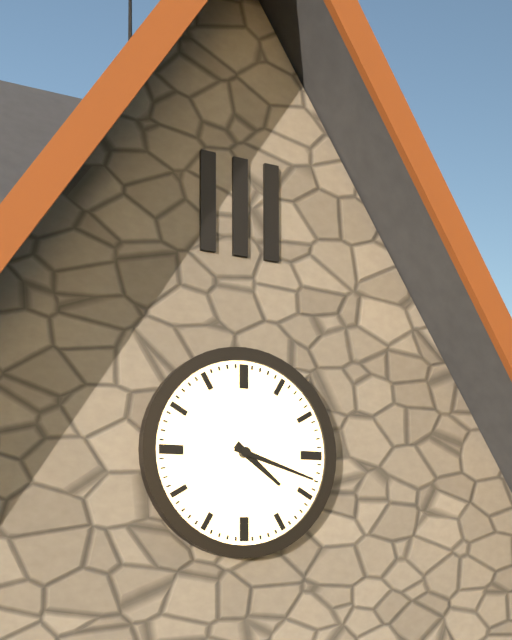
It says 4 h 18 min
